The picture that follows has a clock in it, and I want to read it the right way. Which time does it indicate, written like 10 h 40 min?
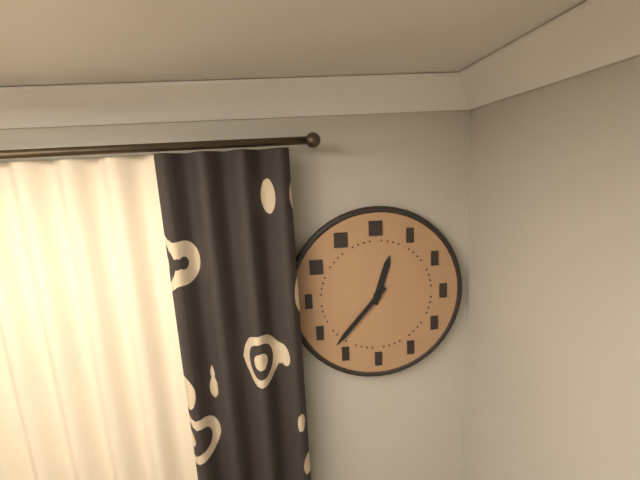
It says 12 h 37 min
